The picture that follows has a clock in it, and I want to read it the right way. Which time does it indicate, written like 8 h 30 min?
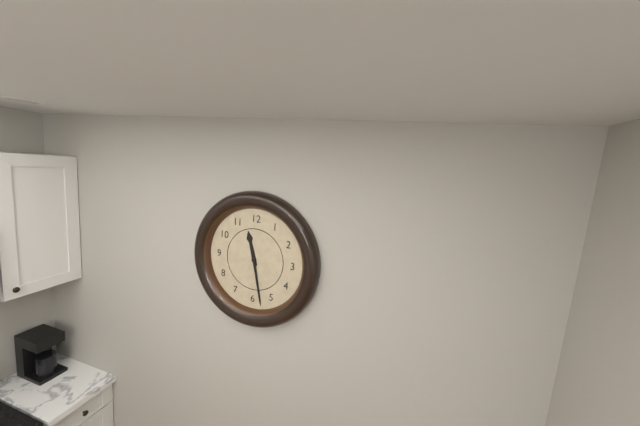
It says 11 h 28 min
